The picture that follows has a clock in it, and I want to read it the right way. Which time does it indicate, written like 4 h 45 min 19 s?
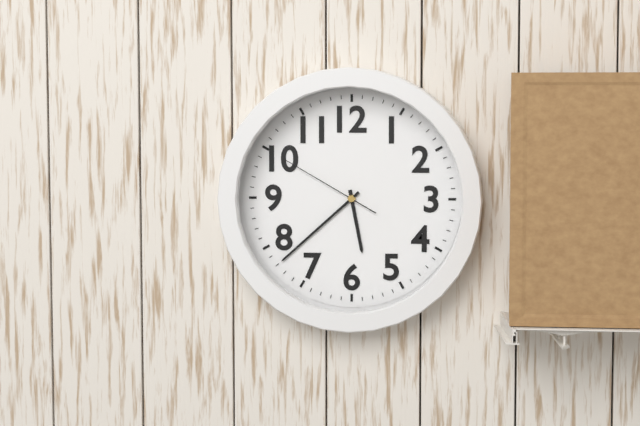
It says 5 h 38 min 50 s
